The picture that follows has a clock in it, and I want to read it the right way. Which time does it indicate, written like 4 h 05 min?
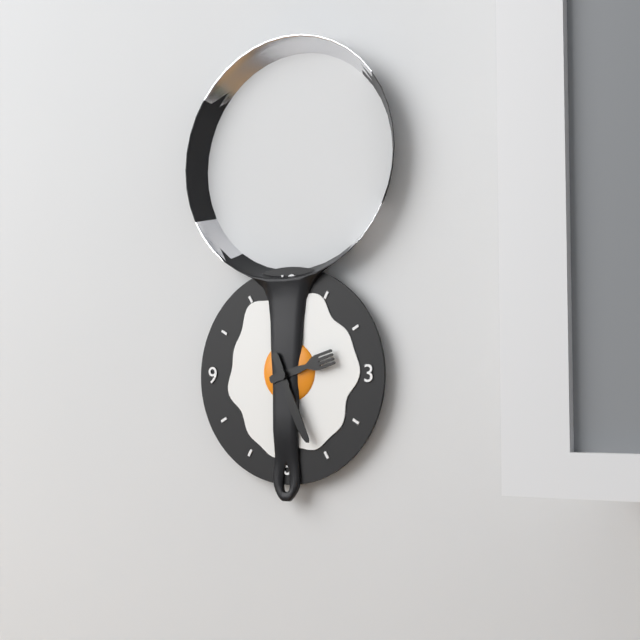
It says 2 h 26 min
